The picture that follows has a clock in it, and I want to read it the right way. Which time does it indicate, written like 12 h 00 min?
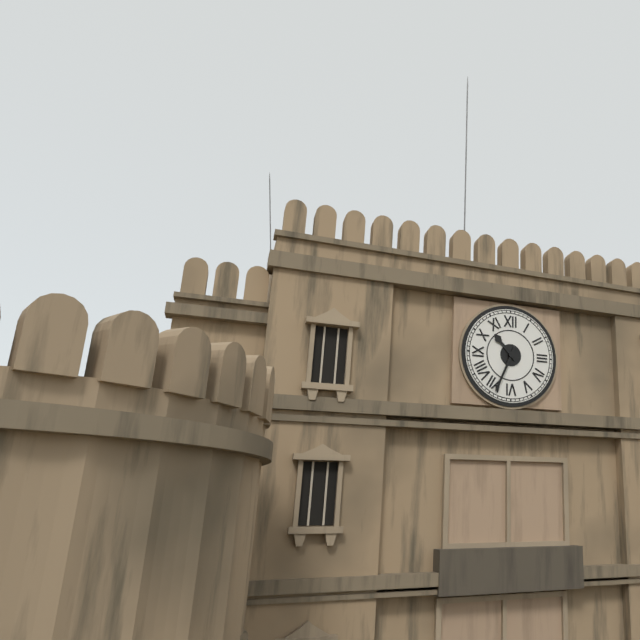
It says 10 h 34 min
